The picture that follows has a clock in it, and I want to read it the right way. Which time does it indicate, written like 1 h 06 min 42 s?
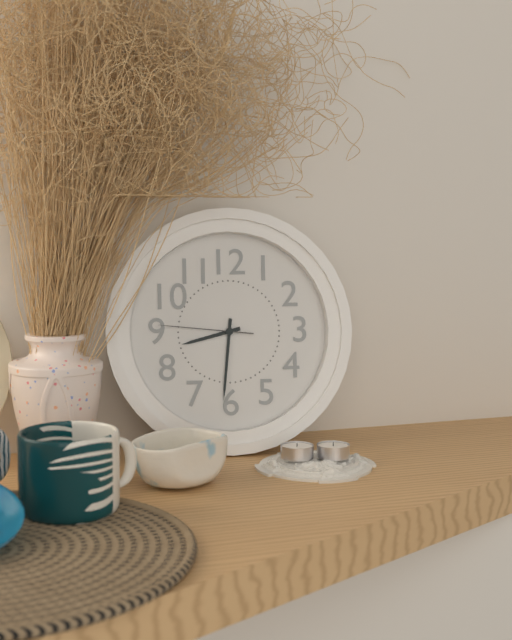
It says 8 h 31 min 46 s
